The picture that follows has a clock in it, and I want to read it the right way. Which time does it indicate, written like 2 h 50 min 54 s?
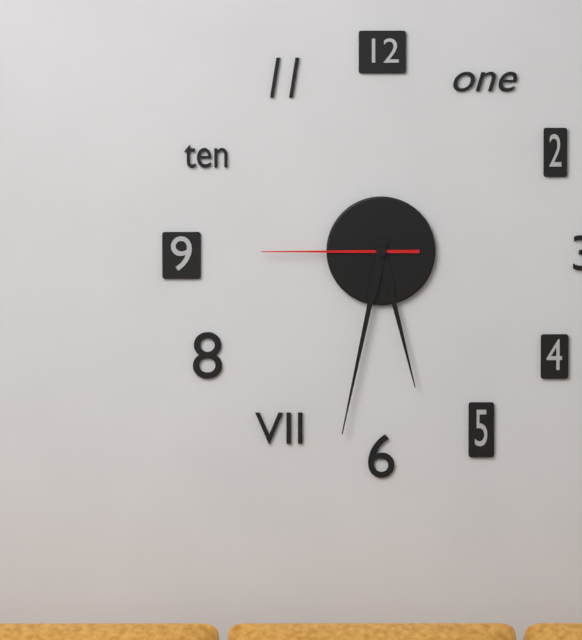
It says 5 h 32 min 45 s
